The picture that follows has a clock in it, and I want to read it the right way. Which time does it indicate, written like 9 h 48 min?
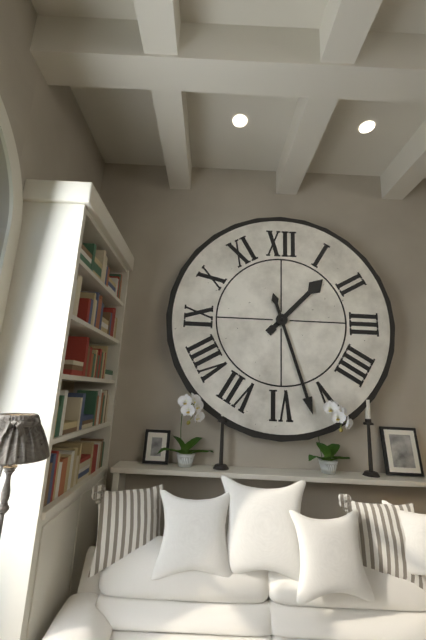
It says 1 h 27 min
